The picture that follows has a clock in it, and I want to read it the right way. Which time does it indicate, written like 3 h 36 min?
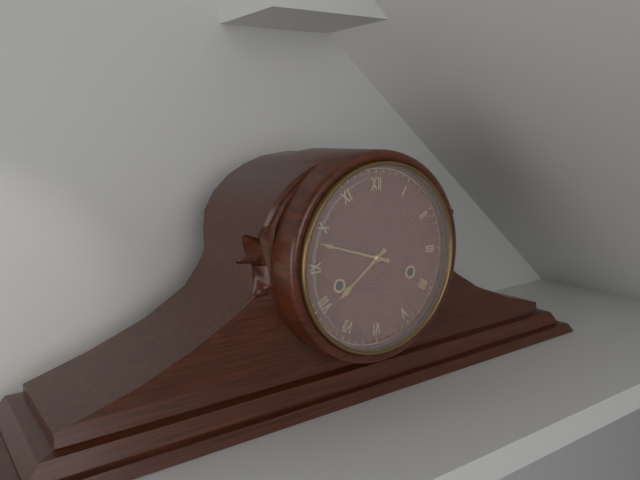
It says 7 h 48 min
